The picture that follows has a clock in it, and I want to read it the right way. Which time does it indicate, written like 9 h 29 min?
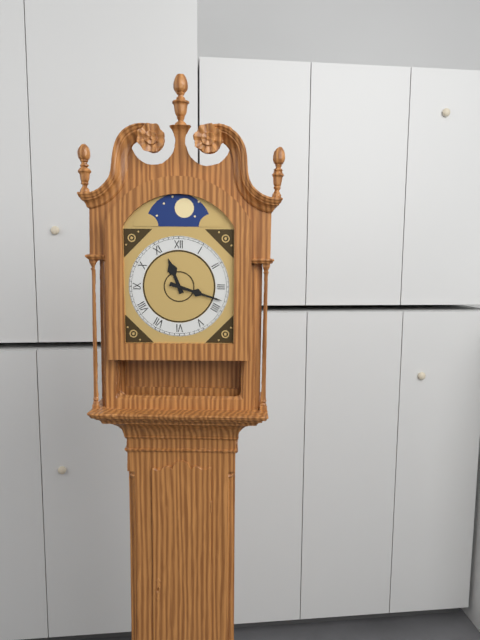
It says 11 h 18 min
